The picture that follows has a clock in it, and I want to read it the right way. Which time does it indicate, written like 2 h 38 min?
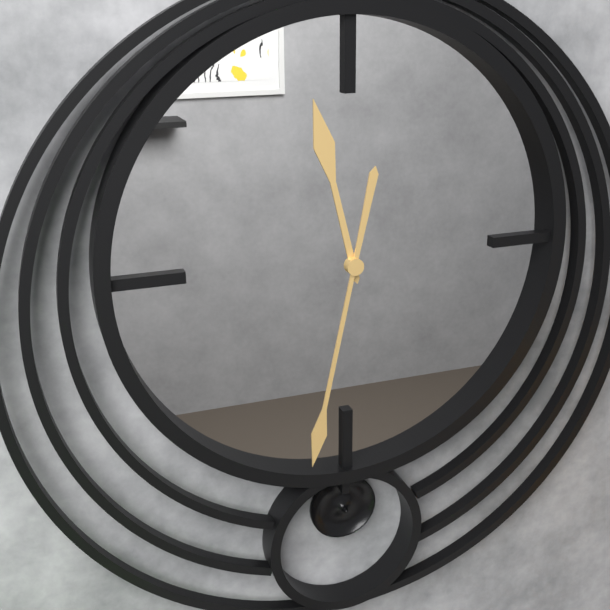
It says 11 h 32 min
